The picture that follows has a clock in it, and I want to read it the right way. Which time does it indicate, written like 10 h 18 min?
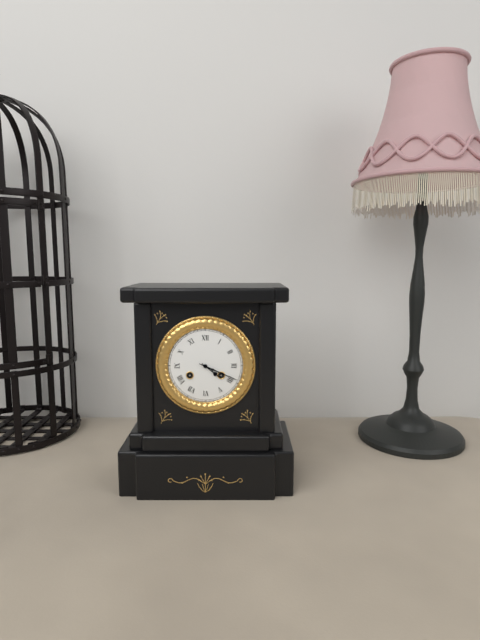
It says 4 h 19 min
